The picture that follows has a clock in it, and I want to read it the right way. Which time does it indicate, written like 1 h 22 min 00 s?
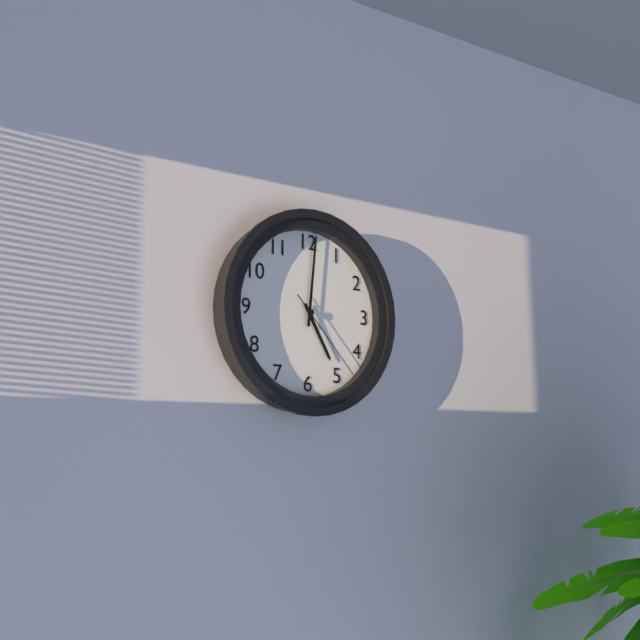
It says 5 h 01 min 23 s
